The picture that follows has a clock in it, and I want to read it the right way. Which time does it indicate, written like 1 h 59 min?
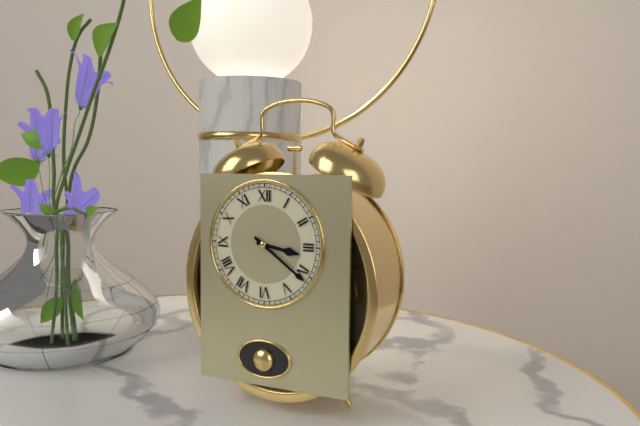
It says 3 h 21 min
